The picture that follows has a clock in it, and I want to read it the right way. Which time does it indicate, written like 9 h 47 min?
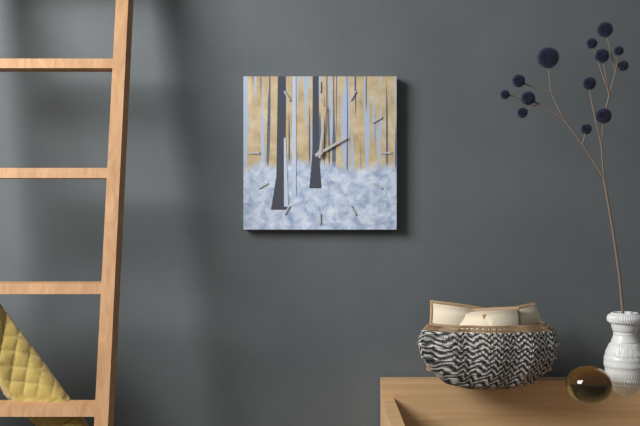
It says 2 h 01 min
